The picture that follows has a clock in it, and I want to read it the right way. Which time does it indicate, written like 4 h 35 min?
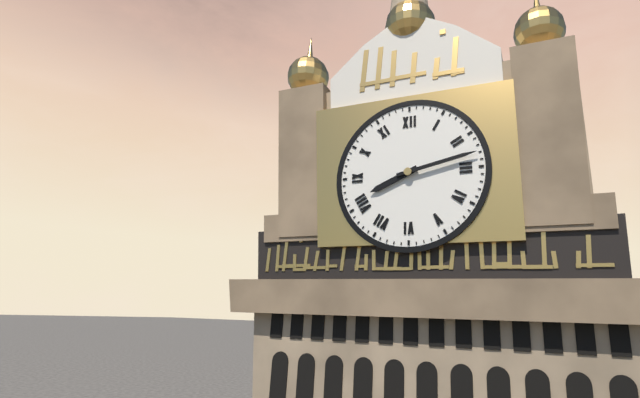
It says 8 h 13 min
